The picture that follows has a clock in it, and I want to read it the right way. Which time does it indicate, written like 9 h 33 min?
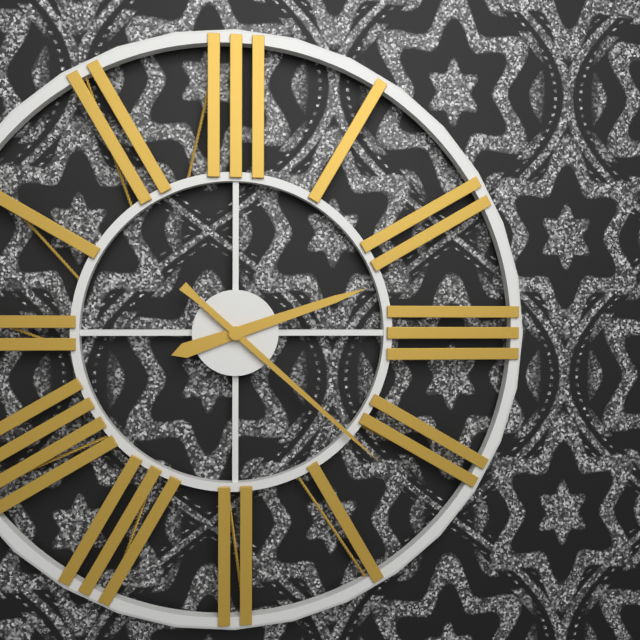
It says 2 h 22 min
